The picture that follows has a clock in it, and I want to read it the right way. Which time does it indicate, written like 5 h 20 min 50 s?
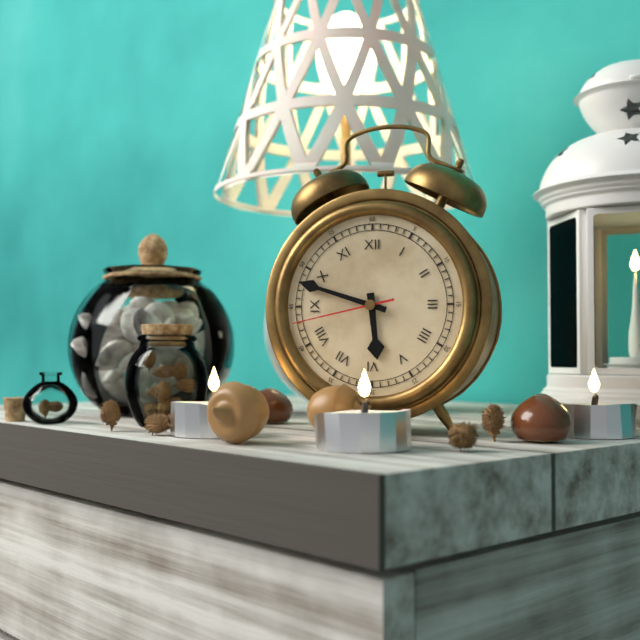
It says 5 h 48 min 43 s
